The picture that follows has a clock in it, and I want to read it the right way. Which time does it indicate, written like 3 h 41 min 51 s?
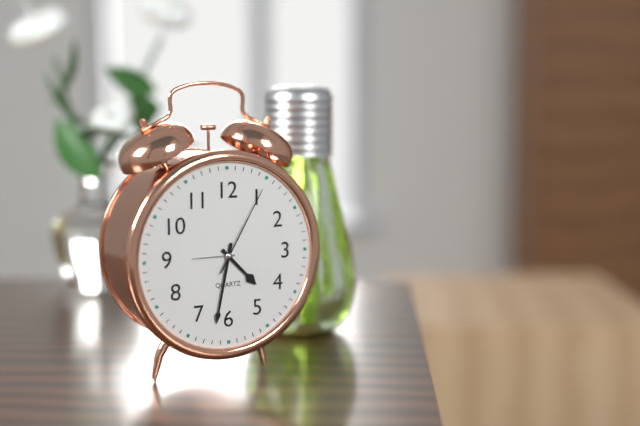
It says 4 h 32 min 05 s
